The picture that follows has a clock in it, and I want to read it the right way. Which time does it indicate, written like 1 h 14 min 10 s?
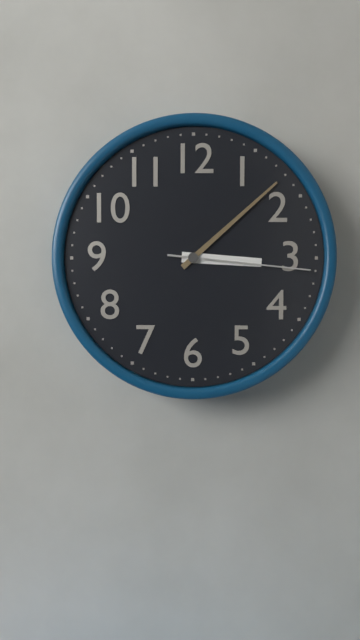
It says 3 h 08 min 16 s
